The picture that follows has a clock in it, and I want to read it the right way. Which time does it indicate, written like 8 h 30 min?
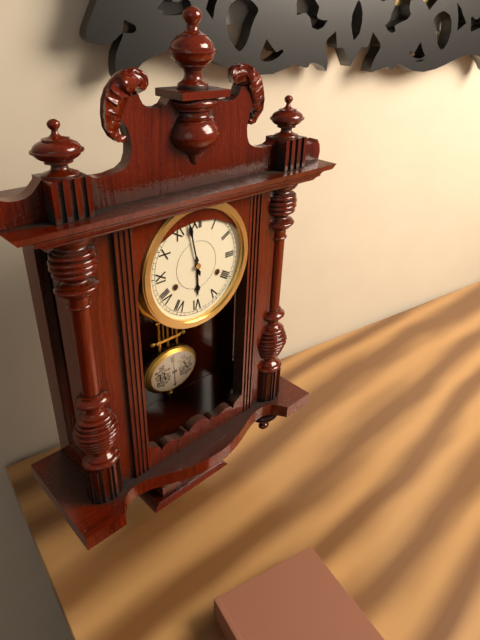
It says 5 h 58 min
